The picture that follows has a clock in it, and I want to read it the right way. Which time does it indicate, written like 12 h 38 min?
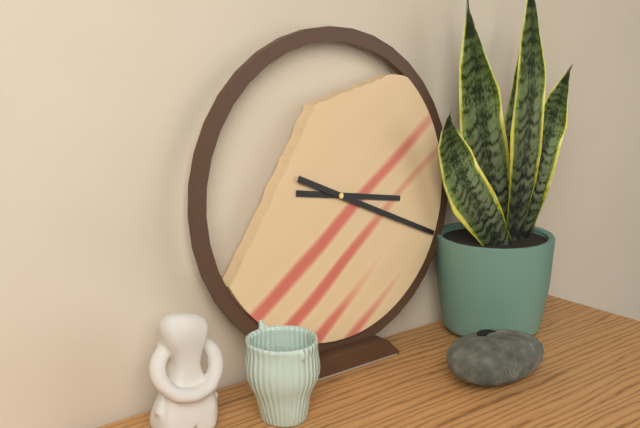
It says 3 h 19 min
